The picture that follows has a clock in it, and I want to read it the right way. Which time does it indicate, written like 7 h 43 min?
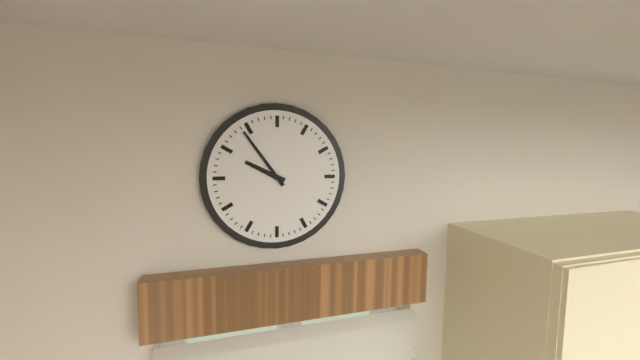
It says 9 h 54 min
